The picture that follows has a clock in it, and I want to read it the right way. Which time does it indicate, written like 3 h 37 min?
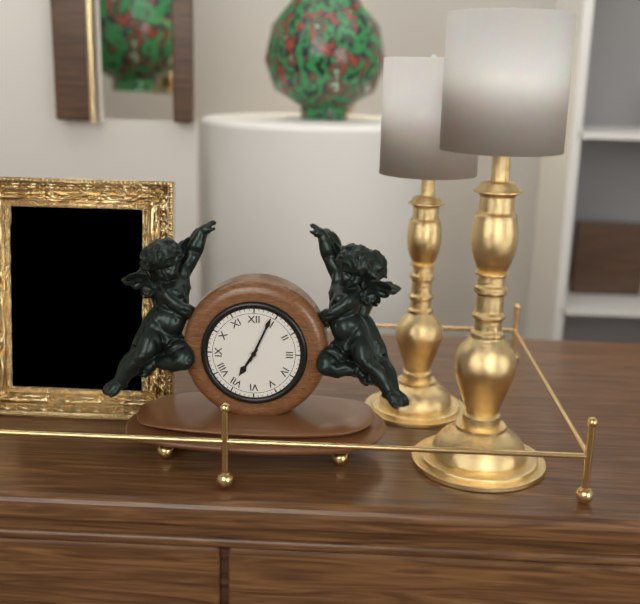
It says 7 h 04 min
